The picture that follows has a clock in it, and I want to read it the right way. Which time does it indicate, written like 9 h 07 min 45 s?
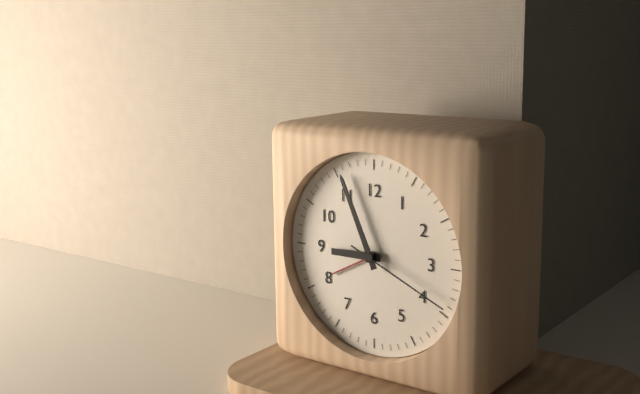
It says 8 h 56 min 19 s
